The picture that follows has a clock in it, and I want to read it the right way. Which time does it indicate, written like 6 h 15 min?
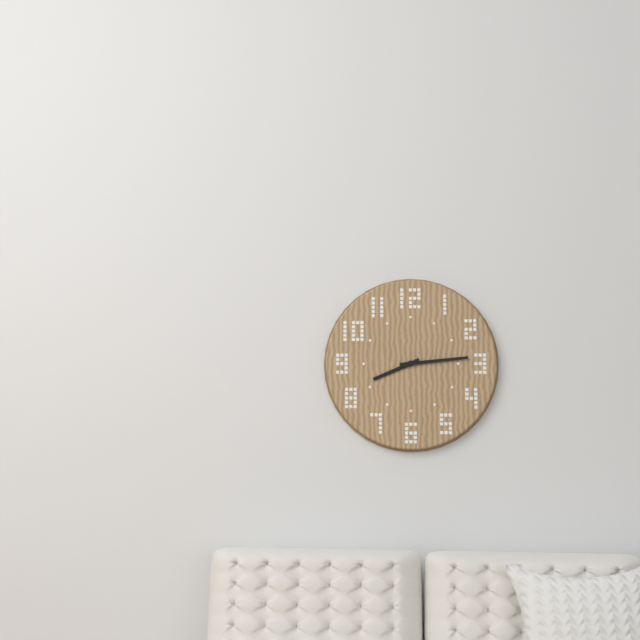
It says 8 h 14 min
